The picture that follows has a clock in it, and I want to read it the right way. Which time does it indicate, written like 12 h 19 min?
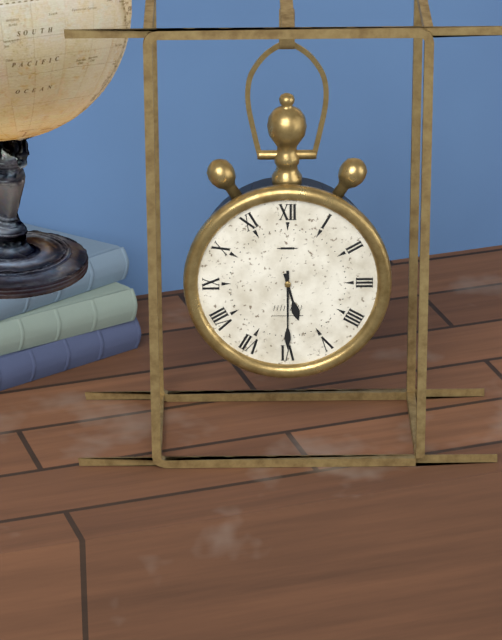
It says 5 h 30 min
